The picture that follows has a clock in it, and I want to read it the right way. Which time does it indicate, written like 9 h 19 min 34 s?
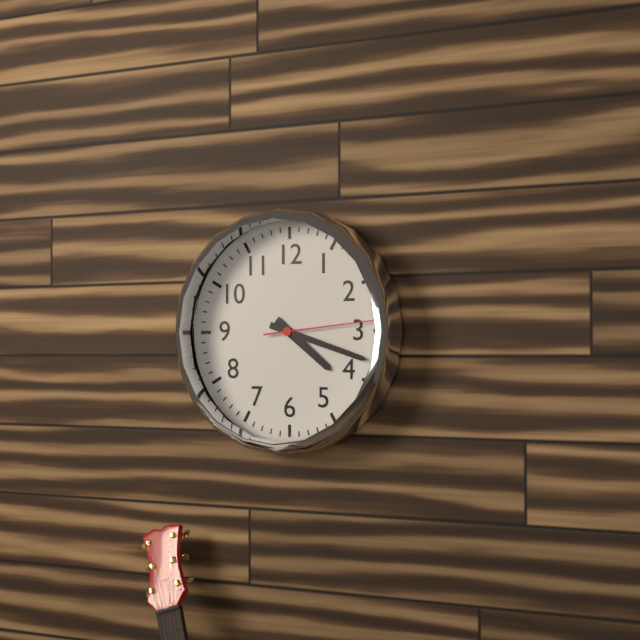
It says 4 h 18 min 14 s
